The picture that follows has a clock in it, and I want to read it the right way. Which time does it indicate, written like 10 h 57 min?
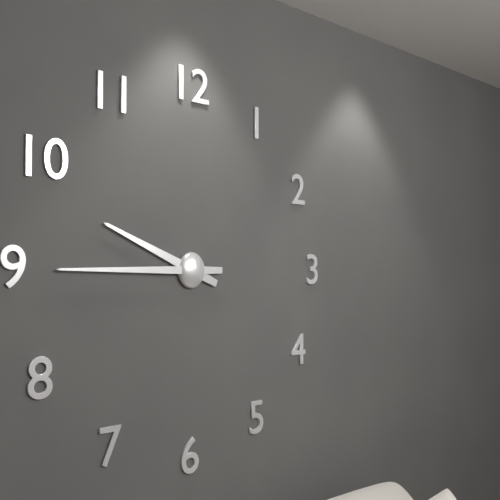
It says 9 h 45 min
